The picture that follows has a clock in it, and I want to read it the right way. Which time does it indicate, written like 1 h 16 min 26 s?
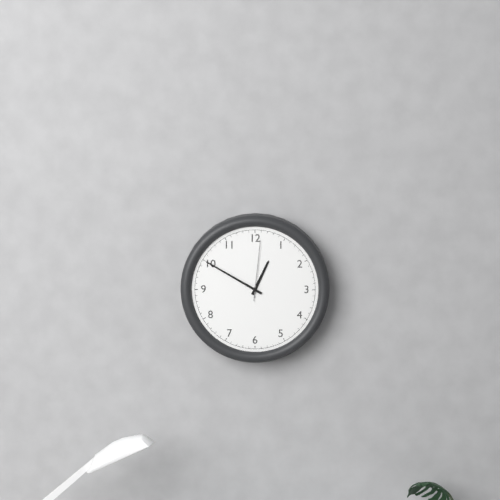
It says 12 h 50 min 01 s
